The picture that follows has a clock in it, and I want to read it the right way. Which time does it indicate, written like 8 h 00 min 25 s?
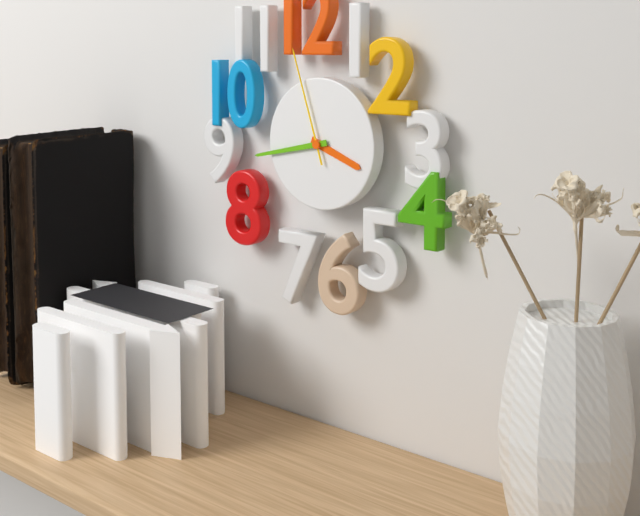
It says 3 h 43 min 57 s
